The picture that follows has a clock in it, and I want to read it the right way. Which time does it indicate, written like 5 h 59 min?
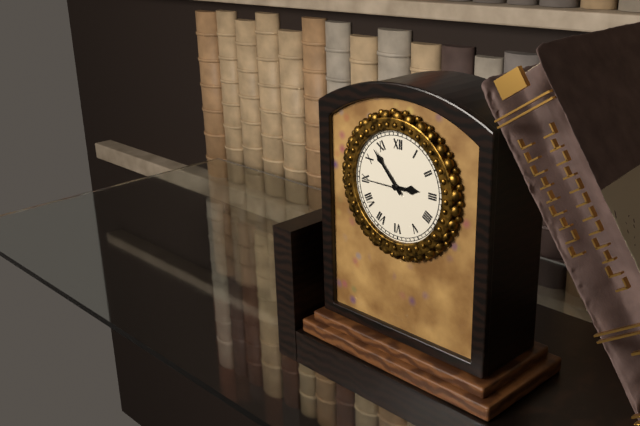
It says 2 h 53 min
